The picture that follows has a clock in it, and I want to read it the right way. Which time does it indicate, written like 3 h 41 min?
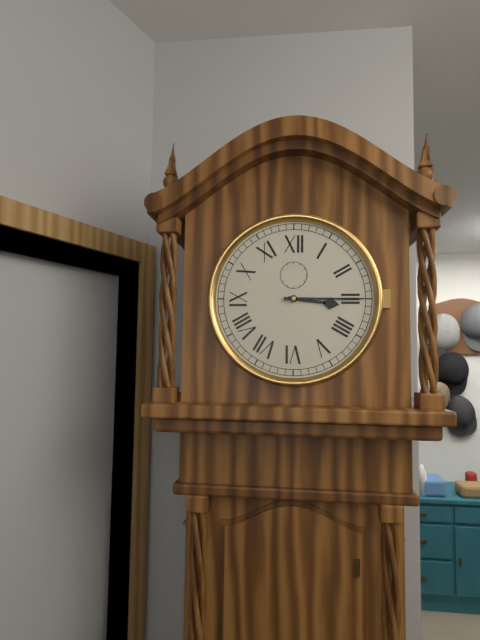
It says 3 h 15 min
